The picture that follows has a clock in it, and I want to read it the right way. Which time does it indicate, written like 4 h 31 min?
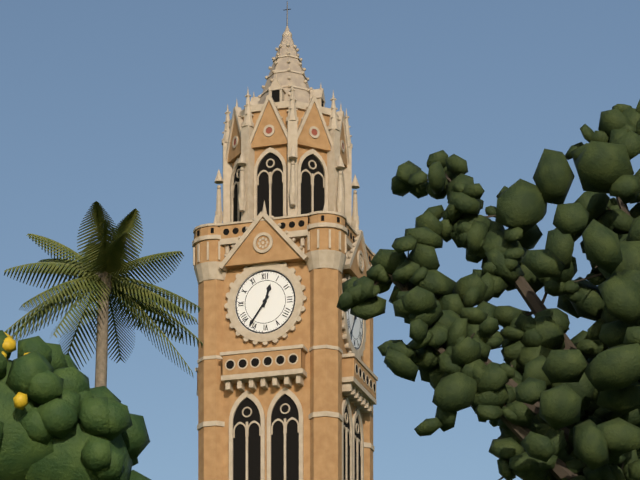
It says 12 h 36 min
